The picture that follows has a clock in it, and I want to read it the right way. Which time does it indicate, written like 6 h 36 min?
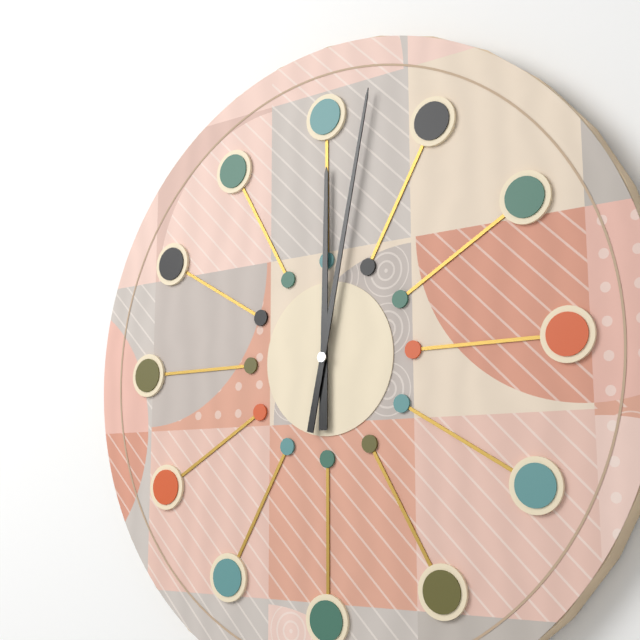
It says 12 h 02 min
